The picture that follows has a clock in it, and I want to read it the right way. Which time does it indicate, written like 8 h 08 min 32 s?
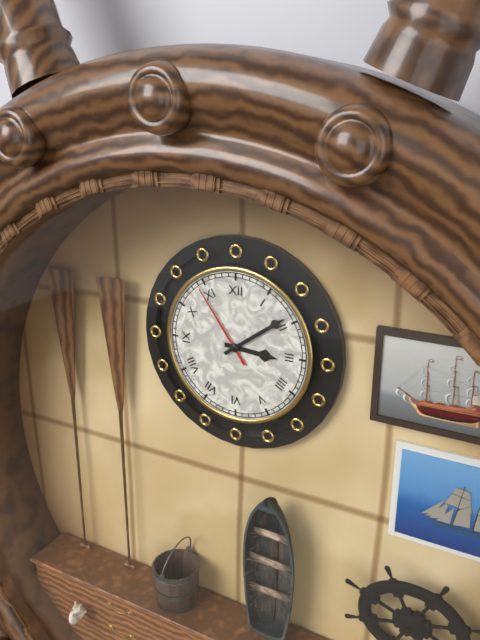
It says 3 h 09 min 54 s
